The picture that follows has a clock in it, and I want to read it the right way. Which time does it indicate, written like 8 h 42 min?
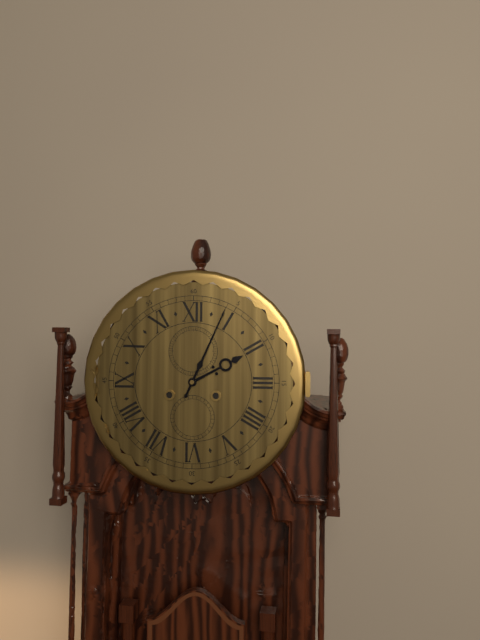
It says 2 h 04 min
